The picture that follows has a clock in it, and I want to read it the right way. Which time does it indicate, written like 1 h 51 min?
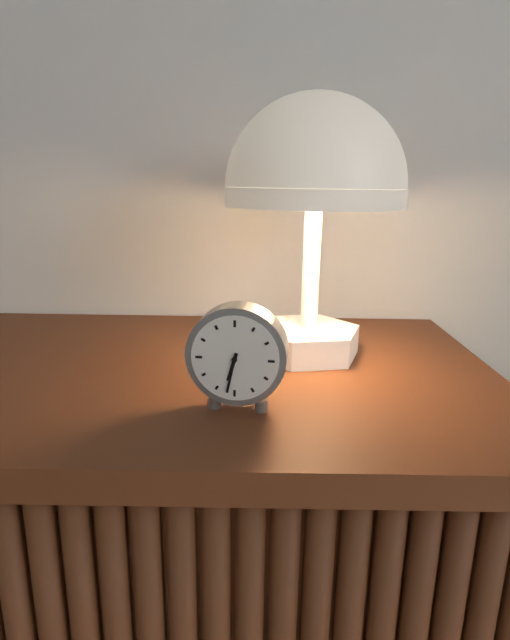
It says 6 h 32 min
